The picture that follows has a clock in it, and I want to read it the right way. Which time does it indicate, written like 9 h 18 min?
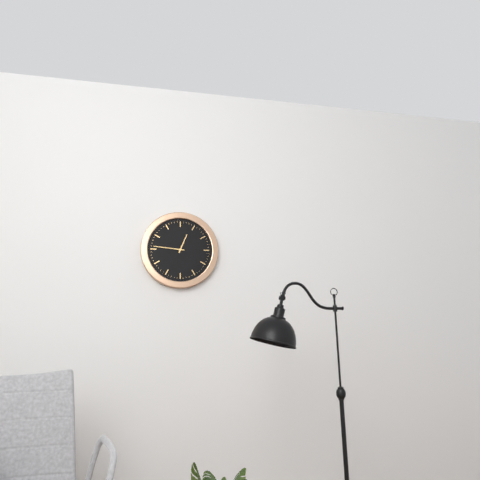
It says 12 h 46 min
